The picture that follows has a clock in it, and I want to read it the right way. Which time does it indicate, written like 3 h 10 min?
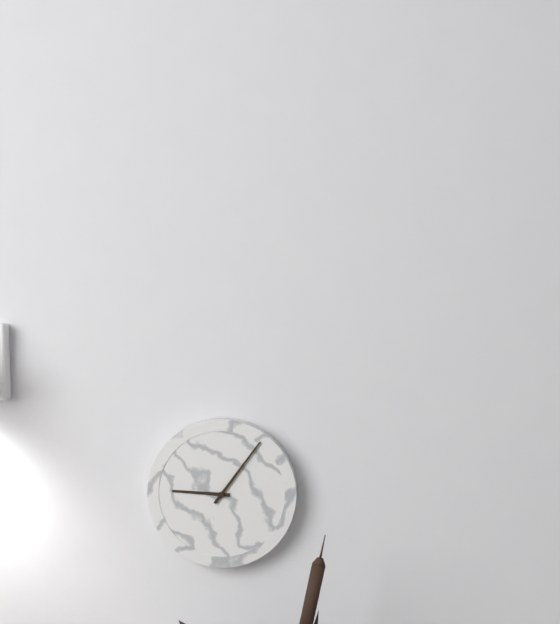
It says 9 h 06 min
